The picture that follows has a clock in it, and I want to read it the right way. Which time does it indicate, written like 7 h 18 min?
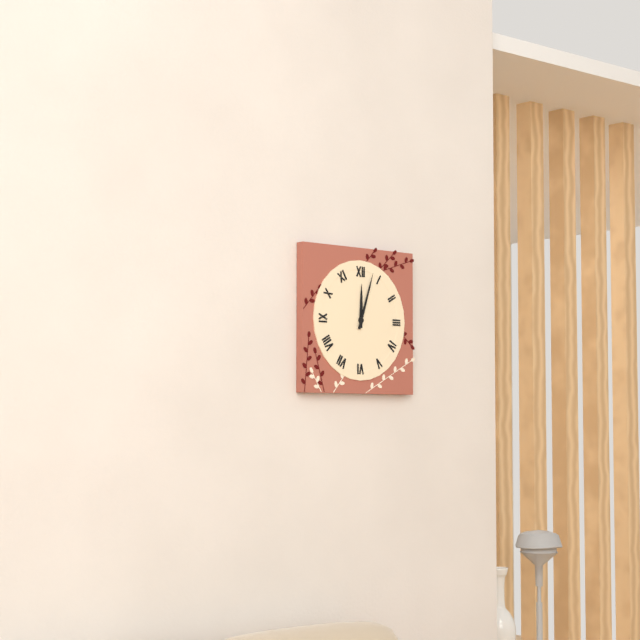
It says 12 h 03 min
